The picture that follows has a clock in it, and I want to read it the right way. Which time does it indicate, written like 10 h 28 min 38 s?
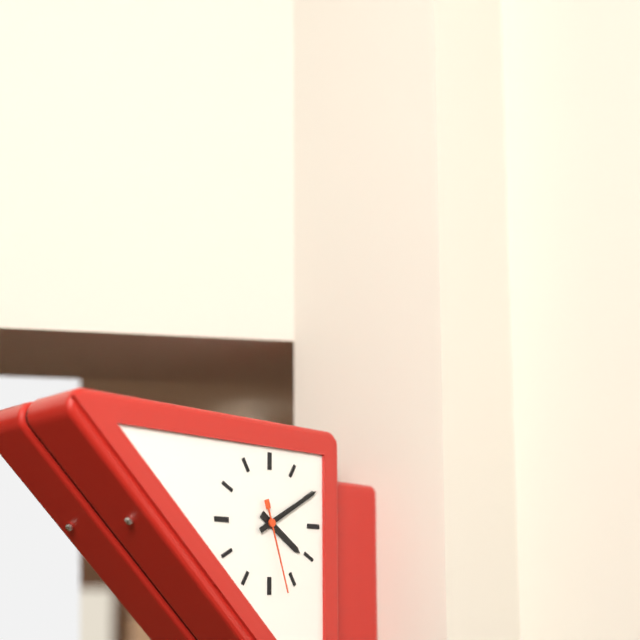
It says 4 h 10 min 27 s
